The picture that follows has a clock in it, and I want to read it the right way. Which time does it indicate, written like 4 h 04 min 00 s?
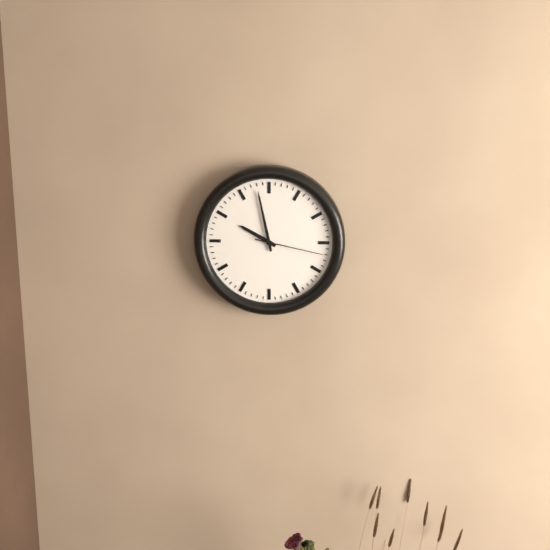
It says 9 h 58 min 17 s
